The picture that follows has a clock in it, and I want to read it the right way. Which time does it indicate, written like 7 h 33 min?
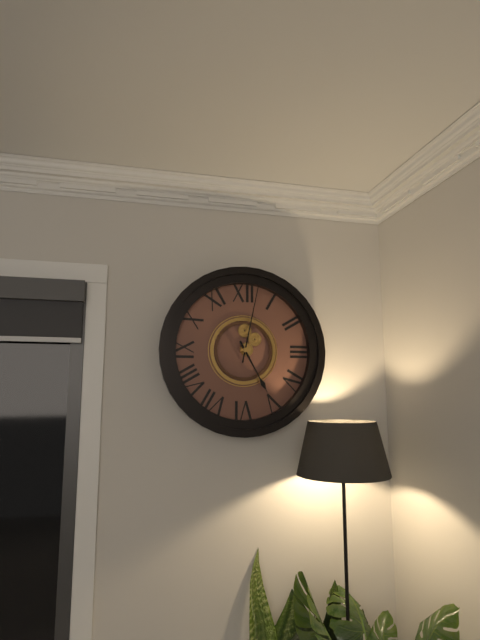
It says 5 h 02 min
